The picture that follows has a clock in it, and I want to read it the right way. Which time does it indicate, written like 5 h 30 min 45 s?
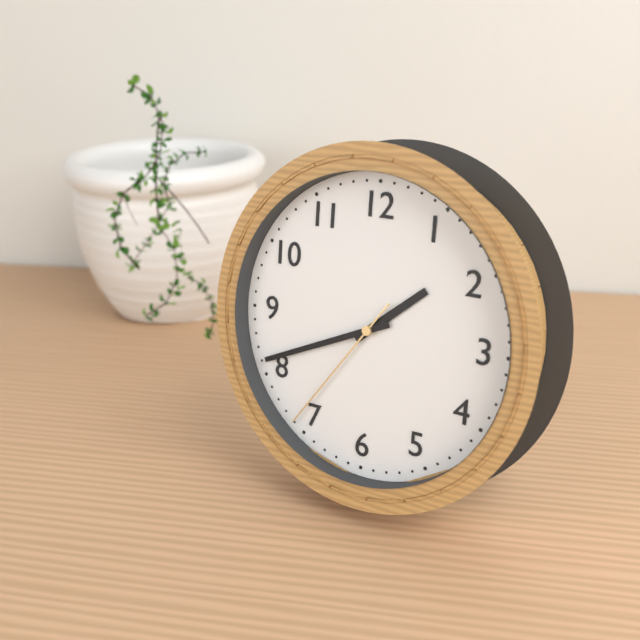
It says 1 h 41 min 36 s
